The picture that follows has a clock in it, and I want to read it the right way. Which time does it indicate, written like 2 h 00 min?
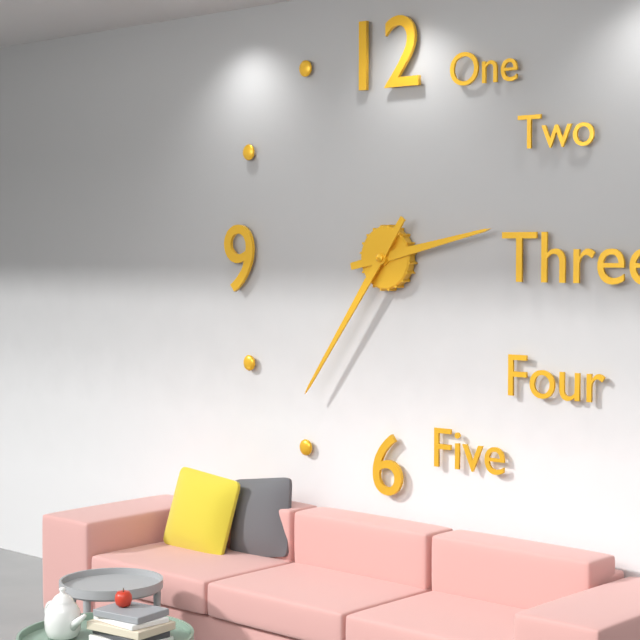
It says 2 h 36 min
